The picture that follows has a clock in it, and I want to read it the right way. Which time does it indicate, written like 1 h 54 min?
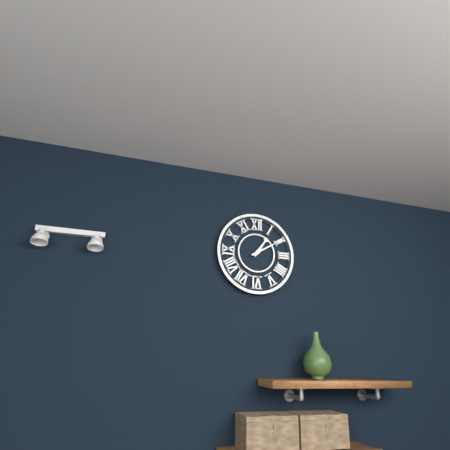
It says 1 h 10 min
